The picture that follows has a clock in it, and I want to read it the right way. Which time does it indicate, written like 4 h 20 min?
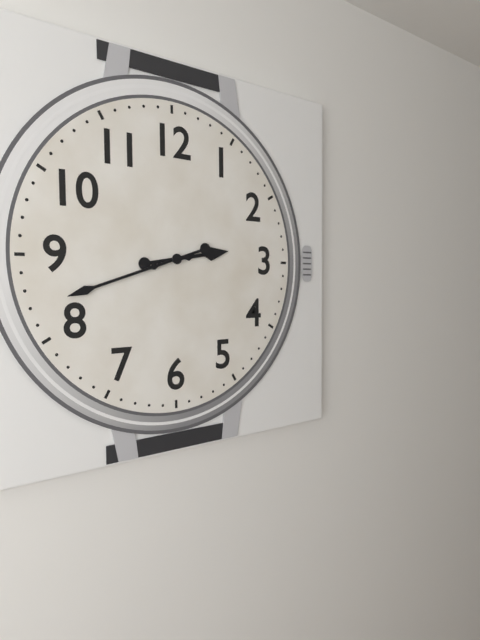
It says 2 h 42 min
